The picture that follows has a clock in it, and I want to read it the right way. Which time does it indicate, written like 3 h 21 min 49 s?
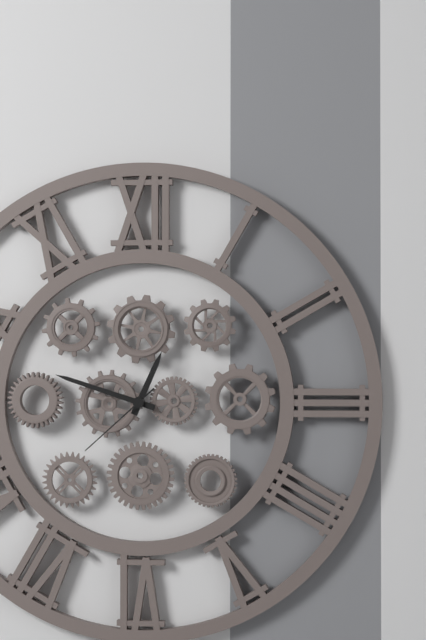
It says 12 h 48 min 38 s
